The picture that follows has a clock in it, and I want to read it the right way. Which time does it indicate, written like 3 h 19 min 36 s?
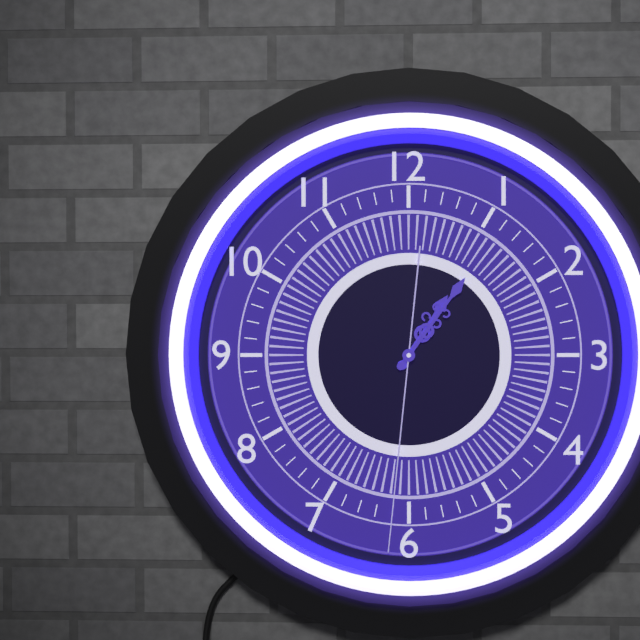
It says 1 h 06 min 31 s
